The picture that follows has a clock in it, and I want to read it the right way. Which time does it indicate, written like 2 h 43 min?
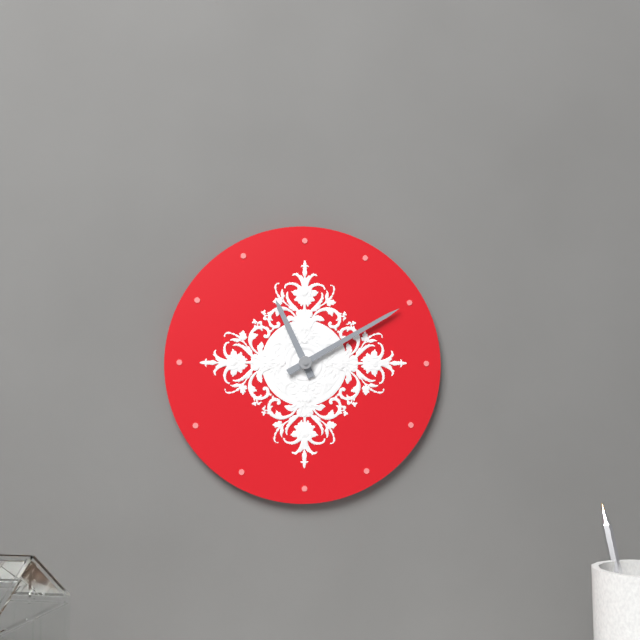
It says 11 h 10 min
